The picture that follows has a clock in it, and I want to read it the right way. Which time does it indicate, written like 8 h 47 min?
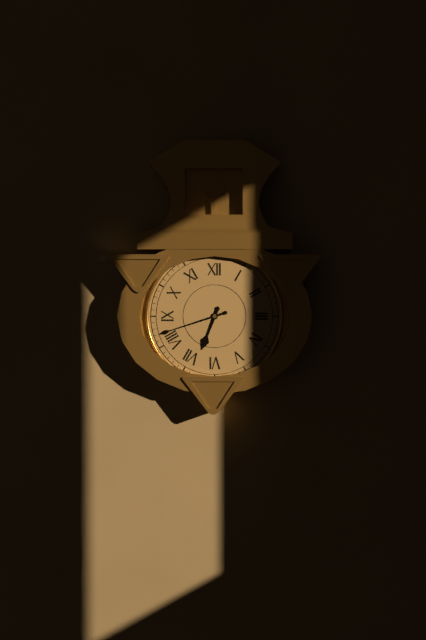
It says 6 h 42 min
